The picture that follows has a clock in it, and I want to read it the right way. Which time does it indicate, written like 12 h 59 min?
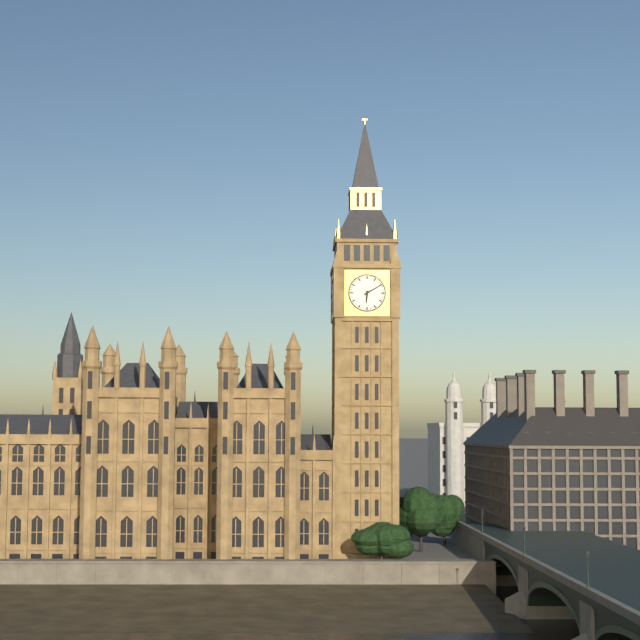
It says 6 h 10 min
